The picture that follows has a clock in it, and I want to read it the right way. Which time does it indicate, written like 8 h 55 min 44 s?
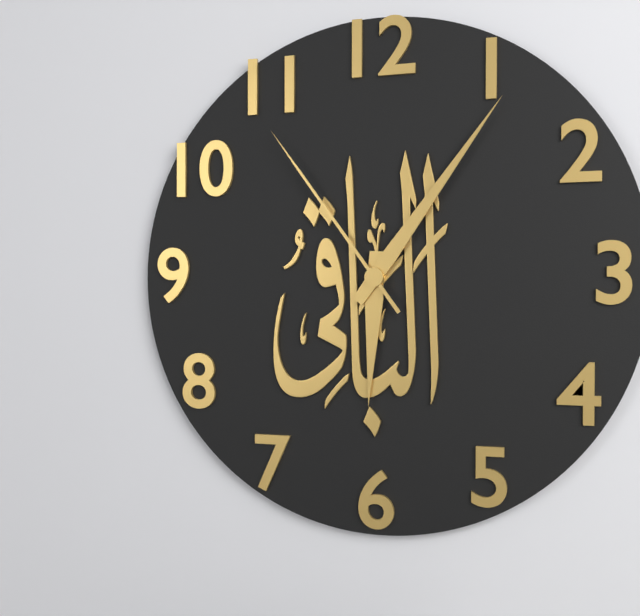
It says 6 h 06 min 54 s
